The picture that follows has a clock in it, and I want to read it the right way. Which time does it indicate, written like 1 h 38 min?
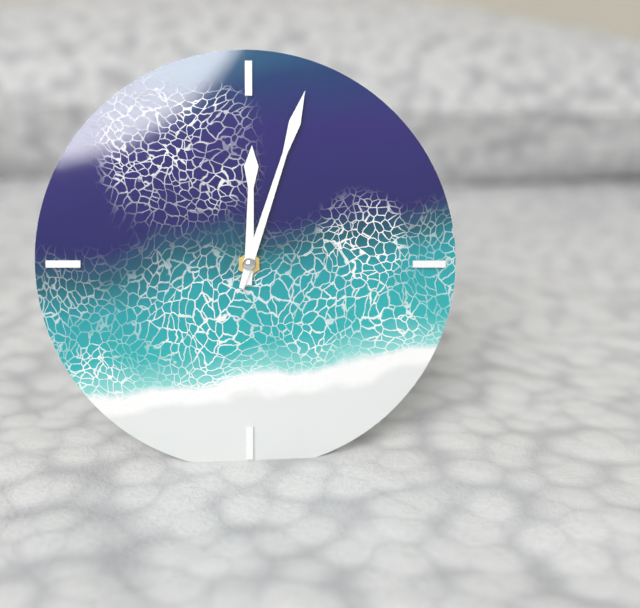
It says 12 h 03 min
